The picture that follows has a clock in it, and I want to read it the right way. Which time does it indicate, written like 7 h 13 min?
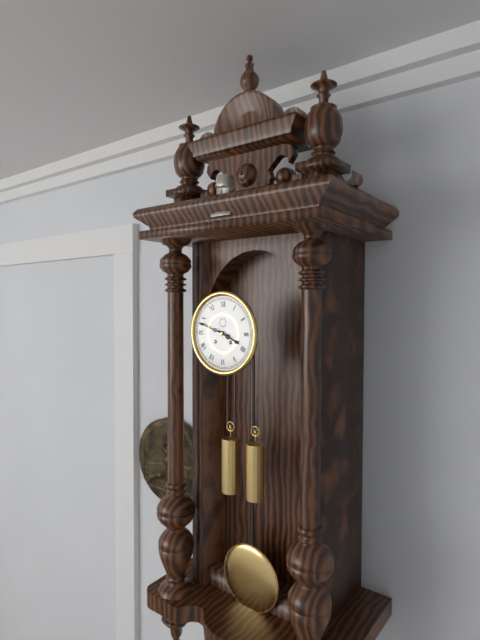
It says 3 h 48 min
